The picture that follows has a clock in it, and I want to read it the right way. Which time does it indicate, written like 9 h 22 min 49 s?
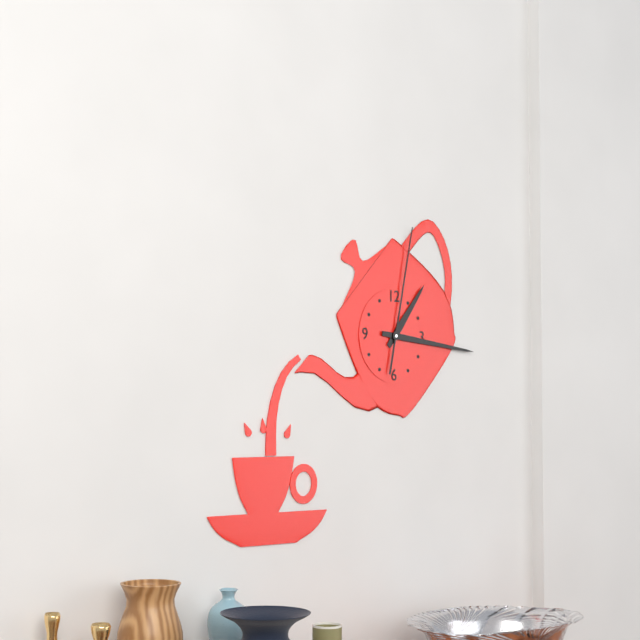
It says 1 h 16 min 02 s
